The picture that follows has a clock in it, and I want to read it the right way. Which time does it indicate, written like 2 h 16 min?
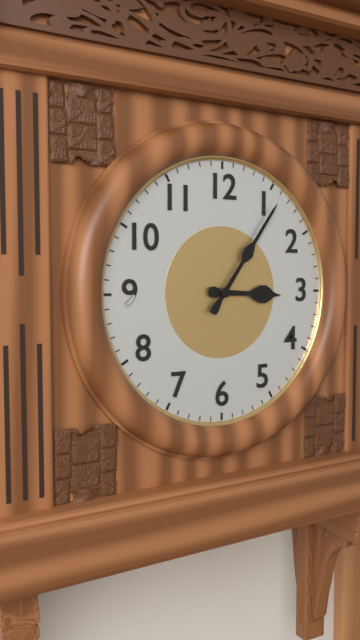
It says 3 h 06 min
